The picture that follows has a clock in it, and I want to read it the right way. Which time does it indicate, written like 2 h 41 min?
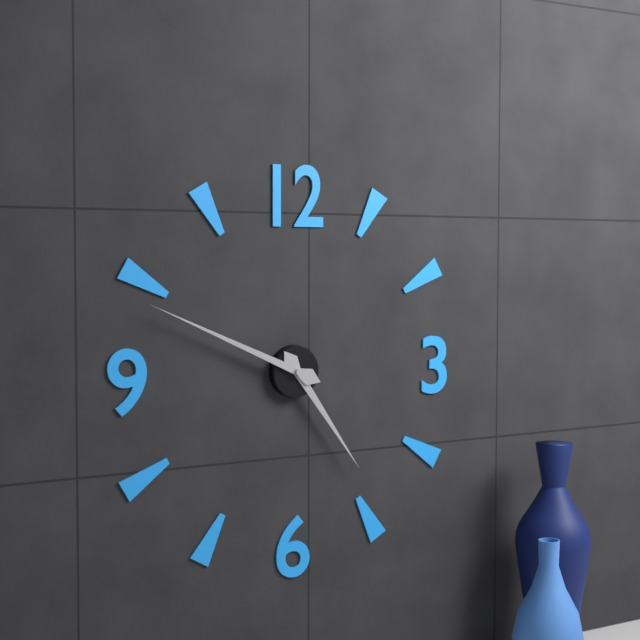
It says 4 h 49 min
